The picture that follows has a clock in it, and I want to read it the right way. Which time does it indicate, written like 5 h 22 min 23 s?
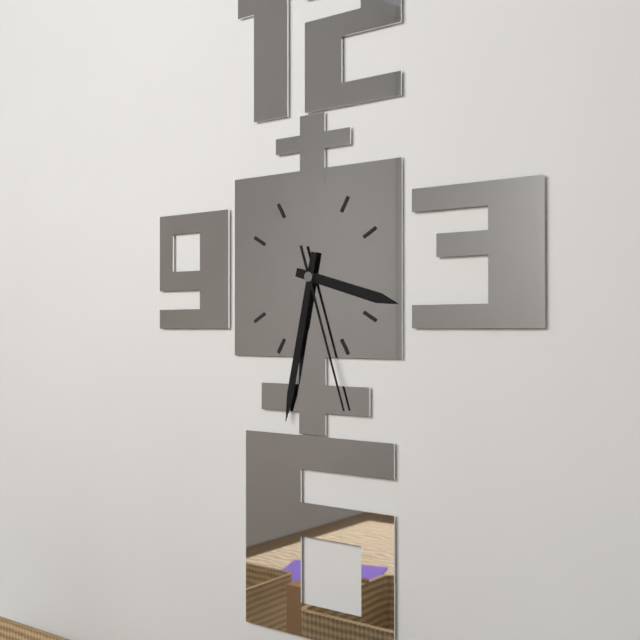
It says 3 h 32 min 27 s
